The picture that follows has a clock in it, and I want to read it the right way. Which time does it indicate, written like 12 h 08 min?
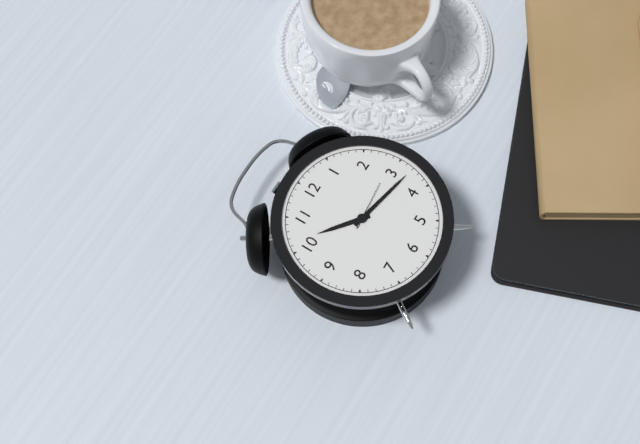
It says 10 h 17 min
